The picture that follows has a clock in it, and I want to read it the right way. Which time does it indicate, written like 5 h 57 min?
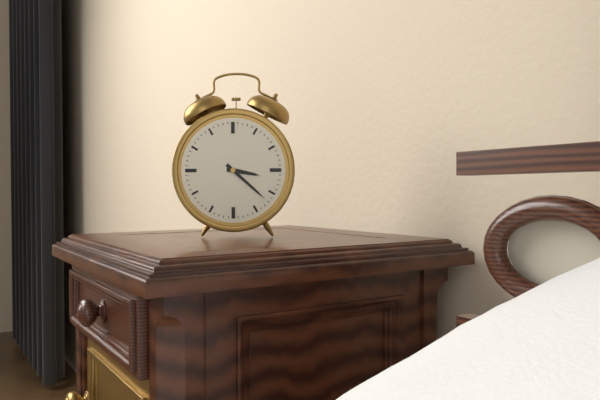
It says 3 h 22 min
